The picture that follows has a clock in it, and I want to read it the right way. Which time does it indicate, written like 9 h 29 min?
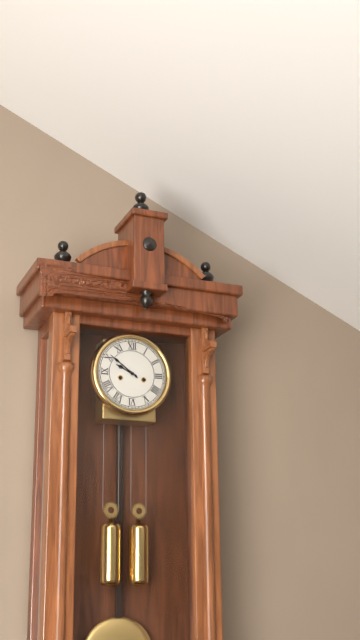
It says 9 h 51 min
